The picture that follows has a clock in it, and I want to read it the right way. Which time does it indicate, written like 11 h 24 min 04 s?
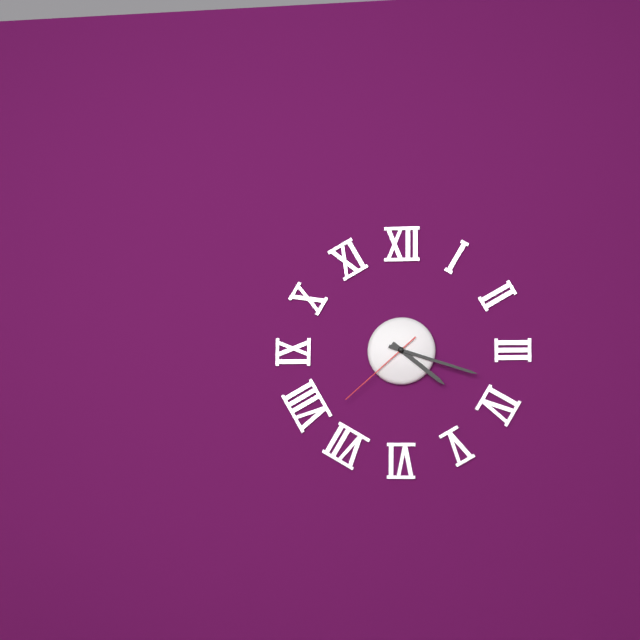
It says 4 h 18 min 38 s
